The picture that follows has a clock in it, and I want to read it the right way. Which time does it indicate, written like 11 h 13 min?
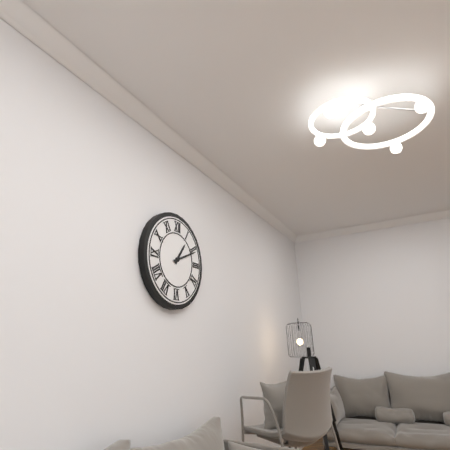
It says 1 h 11 min
